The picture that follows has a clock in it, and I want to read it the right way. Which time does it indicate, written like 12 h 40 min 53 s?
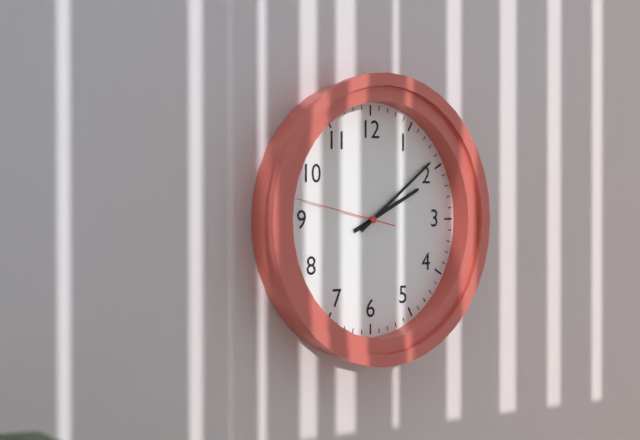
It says 2 h 09 min 47 s
